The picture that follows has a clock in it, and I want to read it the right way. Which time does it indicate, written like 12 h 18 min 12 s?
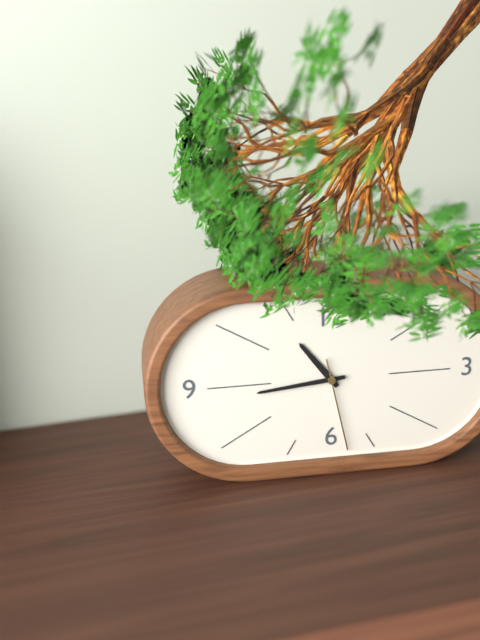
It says 10 h 44 min 28 s
